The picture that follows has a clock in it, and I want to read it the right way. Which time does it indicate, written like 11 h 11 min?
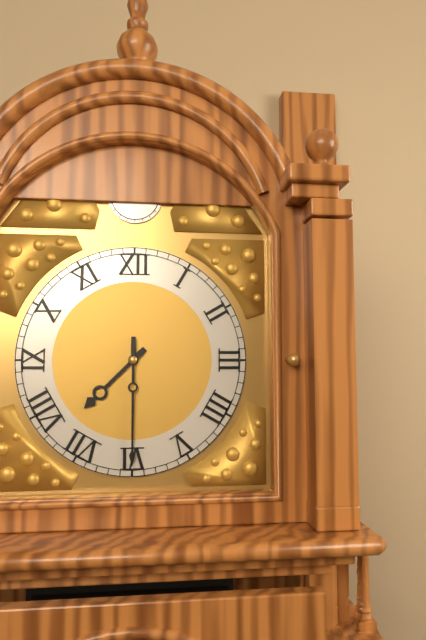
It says 7 h 30 min
